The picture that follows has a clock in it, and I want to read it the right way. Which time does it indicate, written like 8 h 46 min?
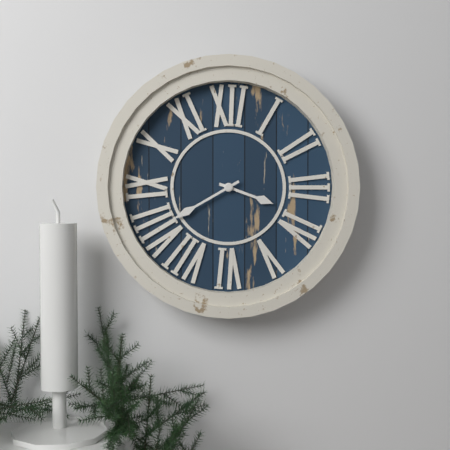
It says 3 h 40 min
